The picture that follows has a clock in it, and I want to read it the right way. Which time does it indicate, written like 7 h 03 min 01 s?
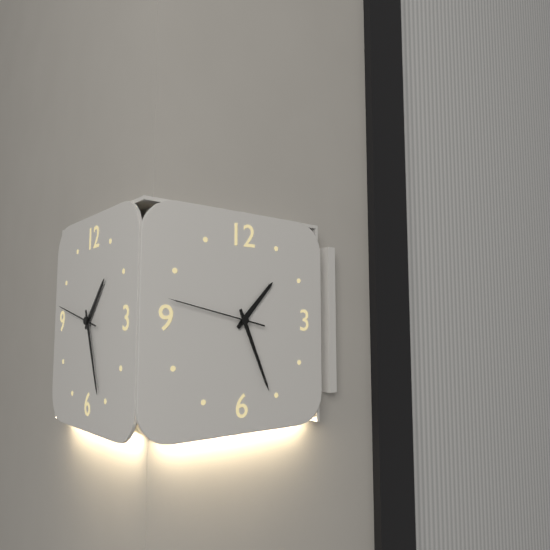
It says 1 h 26 min 47 s
